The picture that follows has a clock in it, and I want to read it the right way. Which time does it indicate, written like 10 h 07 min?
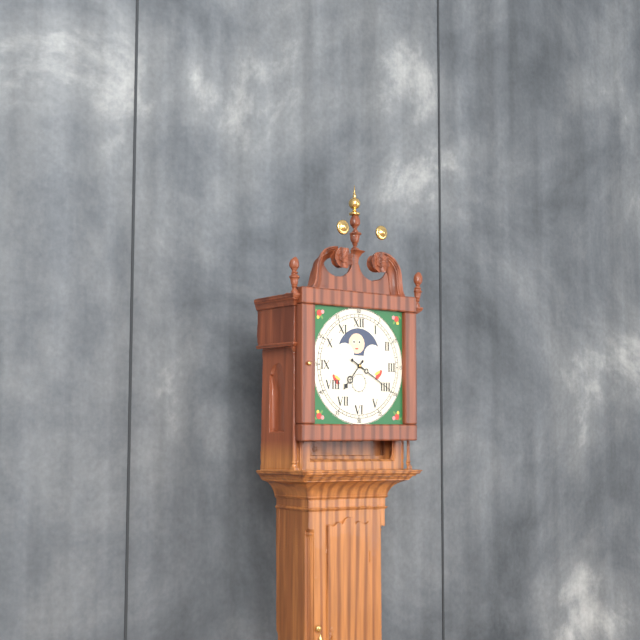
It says 7 h 20 min
